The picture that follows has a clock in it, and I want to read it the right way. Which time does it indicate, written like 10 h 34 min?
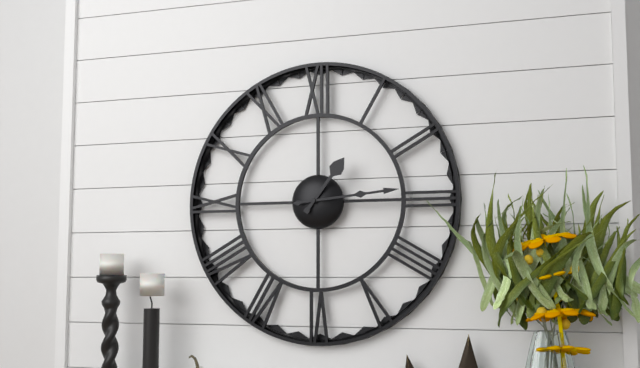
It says 1 h 14 min
